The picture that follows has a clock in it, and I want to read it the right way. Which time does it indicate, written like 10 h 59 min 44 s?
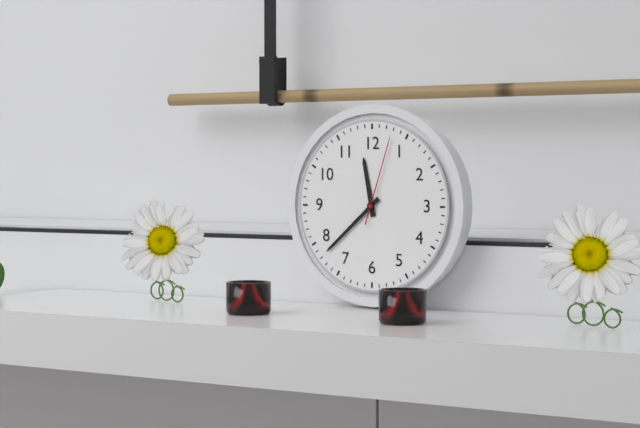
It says 11 h 38 min 03 s
